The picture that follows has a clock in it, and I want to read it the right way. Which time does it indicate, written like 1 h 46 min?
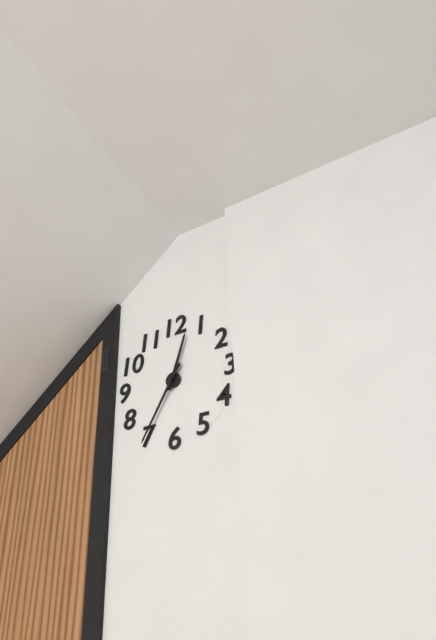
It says 12 h 35 min
